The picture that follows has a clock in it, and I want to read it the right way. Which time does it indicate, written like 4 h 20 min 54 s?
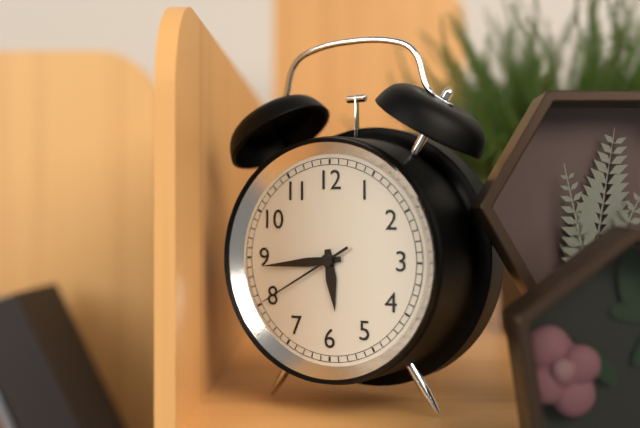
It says 5 h 44 min 40 s
